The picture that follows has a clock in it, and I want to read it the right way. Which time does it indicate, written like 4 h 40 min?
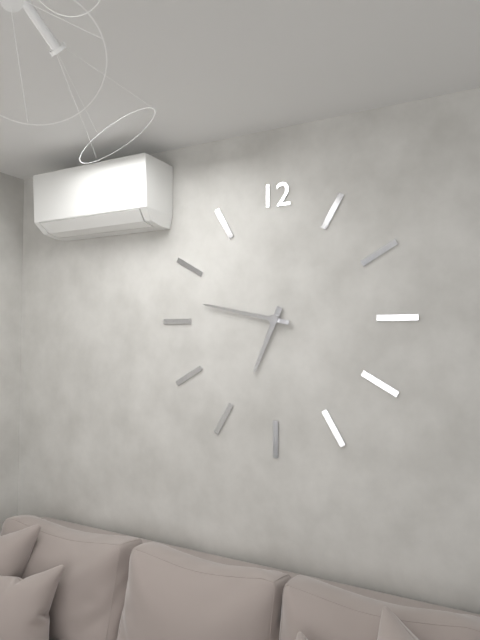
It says 6 h 47 min
